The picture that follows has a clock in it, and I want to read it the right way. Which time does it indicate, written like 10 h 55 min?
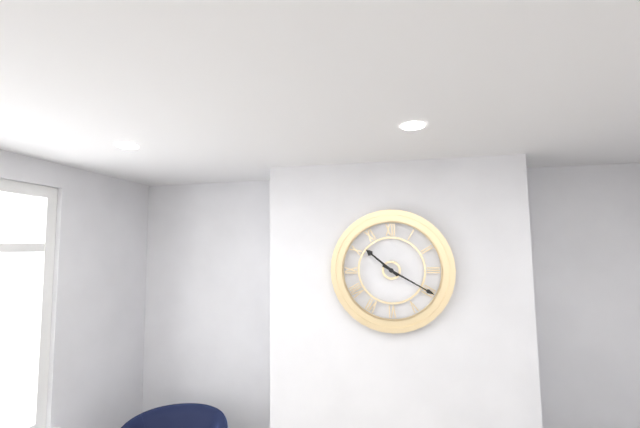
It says 10 h 20 min
